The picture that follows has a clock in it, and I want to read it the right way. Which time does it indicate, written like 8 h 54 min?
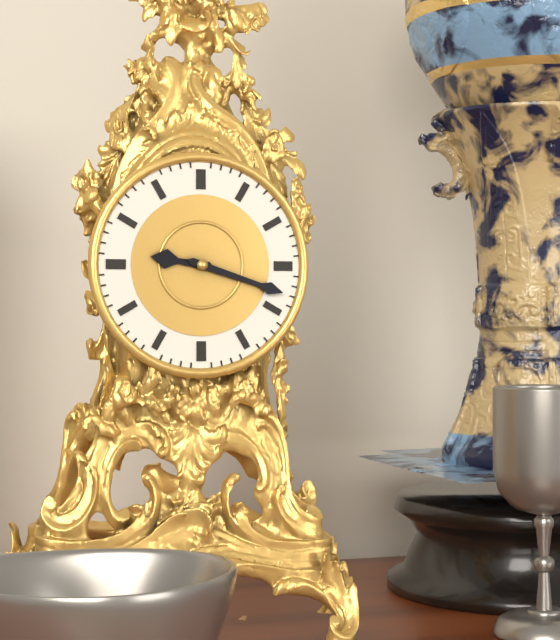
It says 9 h 18 min
